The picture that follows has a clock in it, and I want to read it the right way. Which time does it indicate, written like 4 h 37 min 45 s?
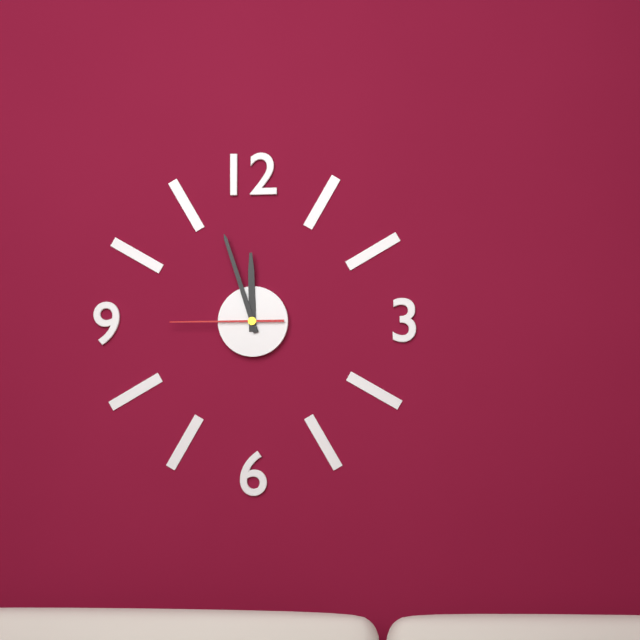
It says 11 h 57 min 45 s
